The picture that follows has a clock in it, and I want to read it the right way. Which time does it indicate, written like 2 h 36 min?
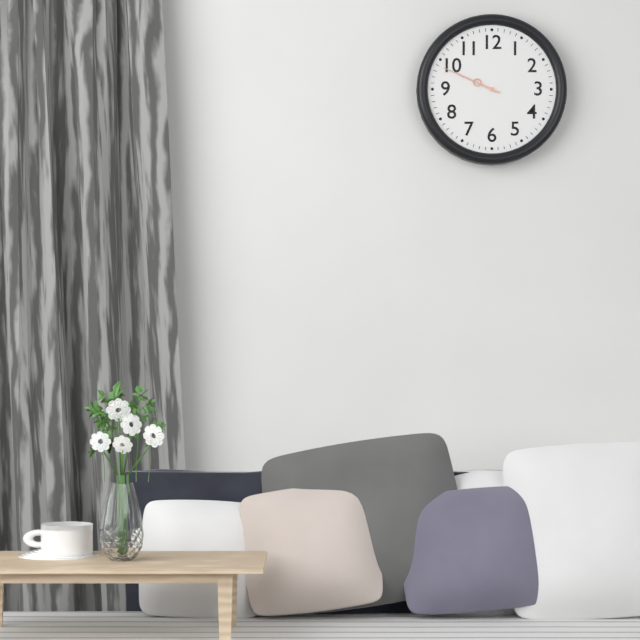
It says 9 h 49 min
